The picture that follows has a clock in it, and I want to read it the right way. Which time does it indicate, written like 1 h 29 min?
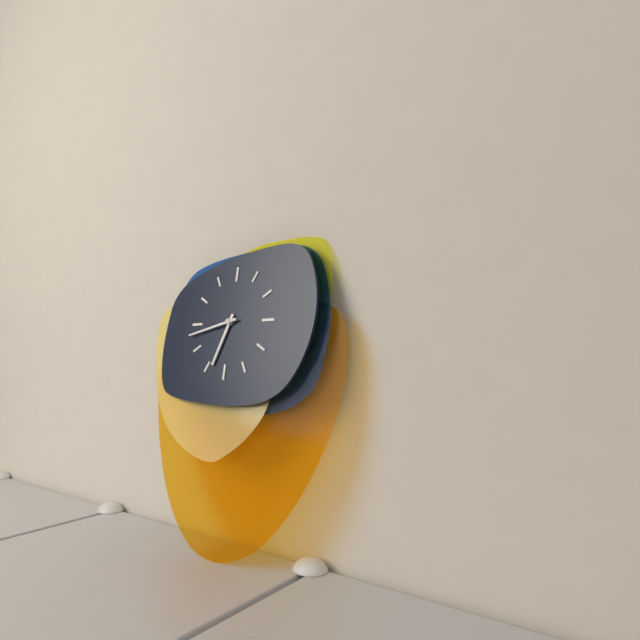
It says 6 h 43 min
